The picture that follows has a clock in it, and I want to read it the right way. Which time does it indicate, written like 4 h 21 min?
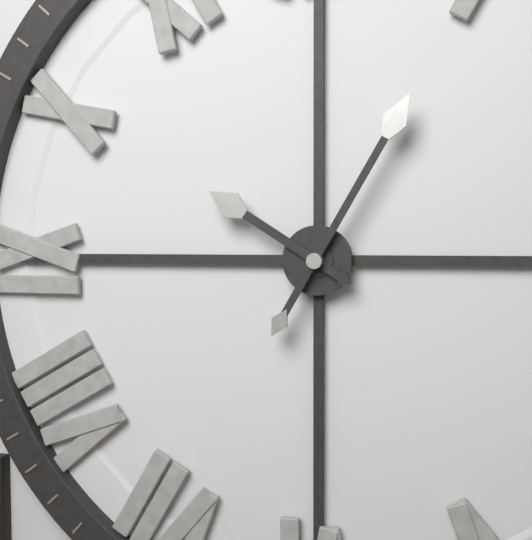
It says 10 h 05 min
